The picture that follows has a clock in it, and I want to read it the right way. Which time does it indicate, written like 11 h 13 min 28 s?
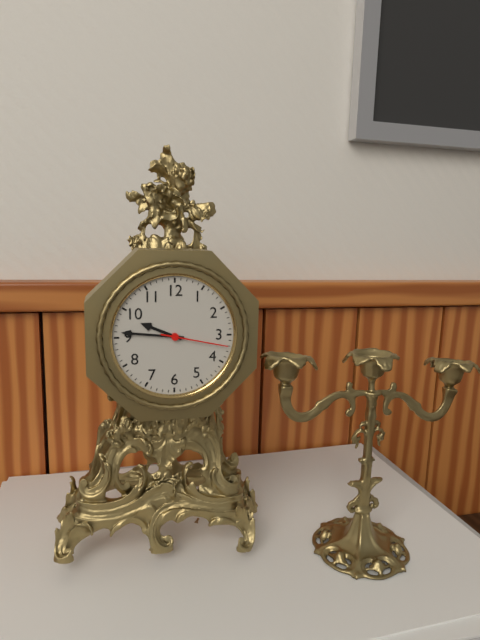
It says 9 h 46 min 17 s
